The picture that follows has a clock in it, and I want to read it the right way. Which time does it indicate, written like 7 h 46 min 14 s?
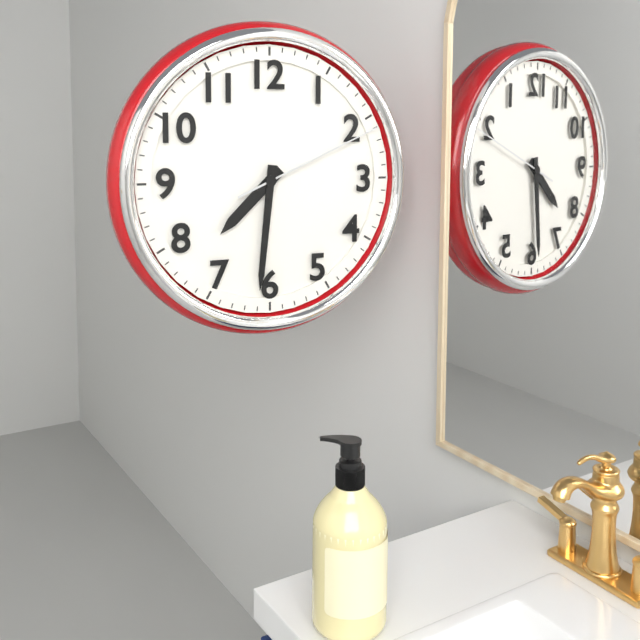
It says 7 h 31 min 11 s
